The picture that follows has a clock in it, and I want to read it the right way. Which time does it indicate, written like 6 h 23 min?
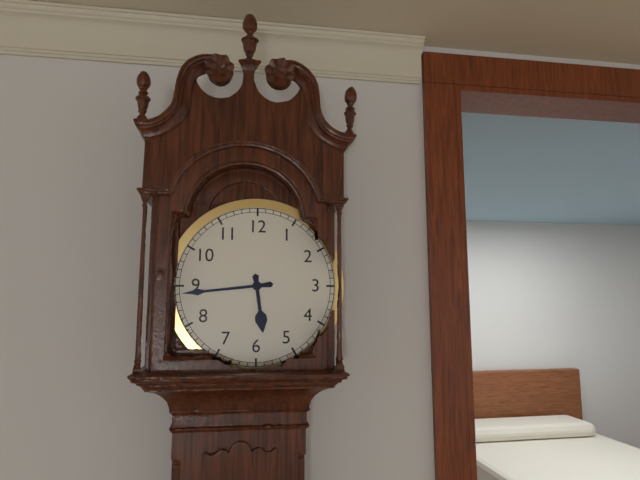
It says 5 h 44 min
